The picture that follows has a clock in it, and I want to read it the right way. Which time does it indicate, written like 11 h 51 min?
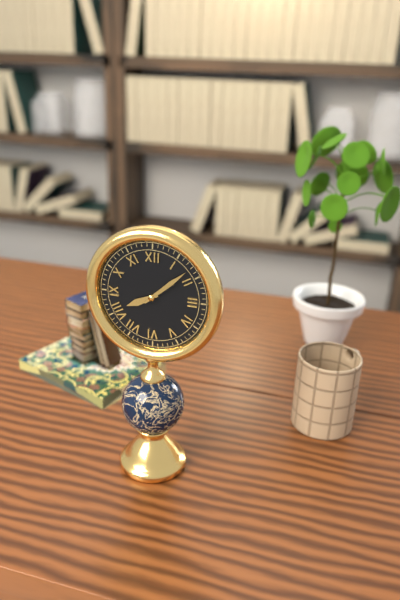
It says 8 h 08 min
